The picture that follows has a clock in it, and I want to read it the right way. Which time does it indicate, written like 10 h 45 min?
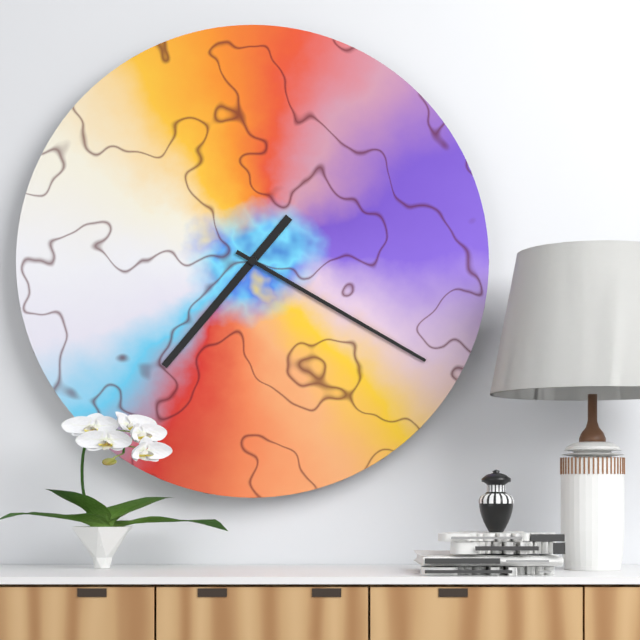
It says 7 h 20 min
